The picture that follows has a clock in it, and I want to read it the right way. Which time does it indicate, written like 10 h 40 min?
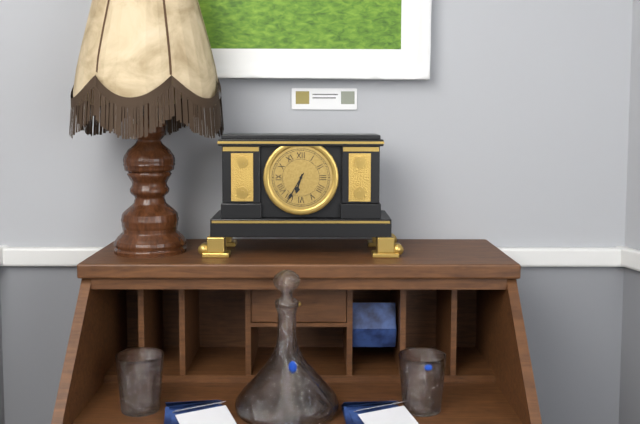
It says 6 h 35 min
